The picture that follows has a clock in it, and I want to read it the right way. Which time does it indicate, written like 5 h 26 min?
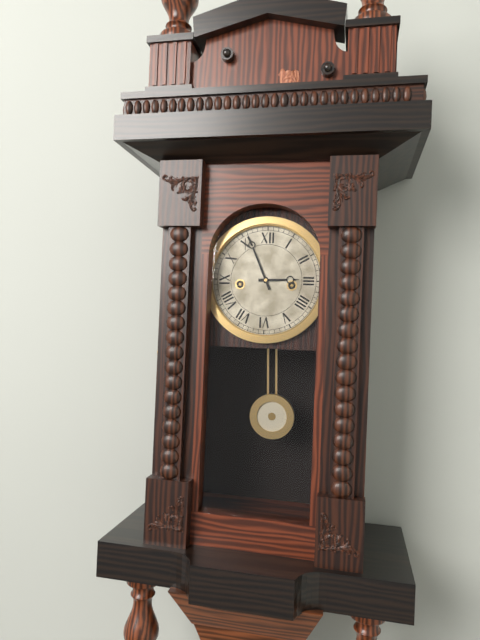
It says 2 h 56 min
